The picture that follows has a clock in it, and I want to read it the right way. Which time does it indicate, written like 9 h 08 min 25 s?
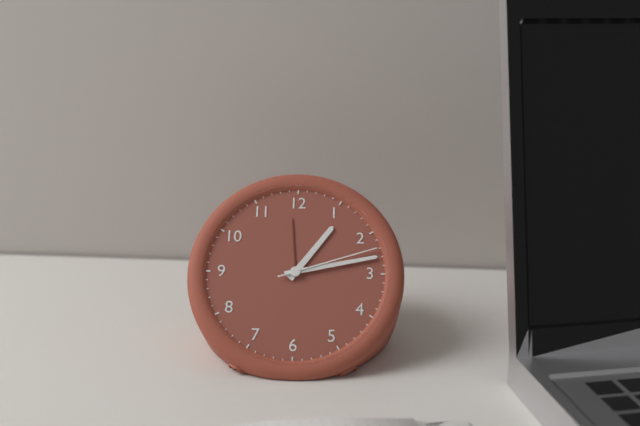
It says 1 h 13 min 12 s
